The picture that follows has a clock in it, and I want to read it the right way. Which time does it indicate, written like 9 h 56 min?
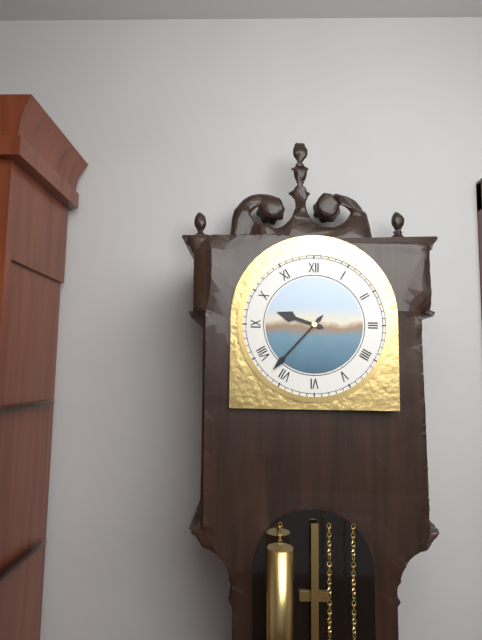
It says 9 h 37 min
